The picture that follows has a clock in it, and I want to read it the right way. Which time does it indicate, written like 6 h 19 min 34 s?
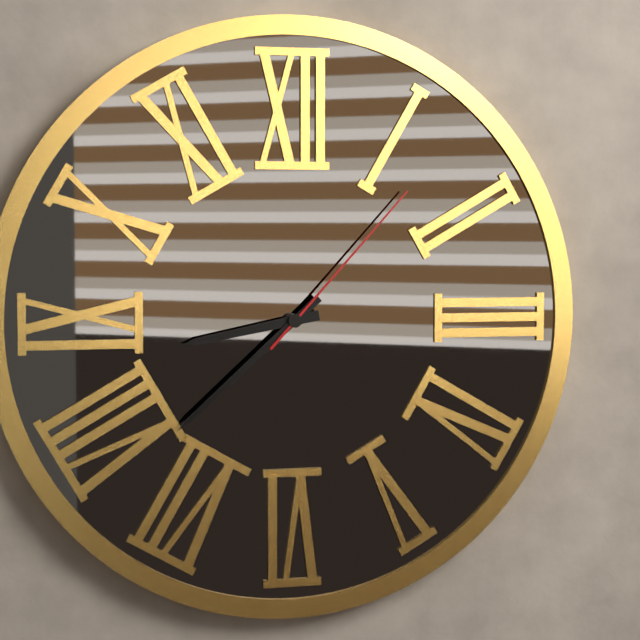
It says 8 h 38 min 07 s
